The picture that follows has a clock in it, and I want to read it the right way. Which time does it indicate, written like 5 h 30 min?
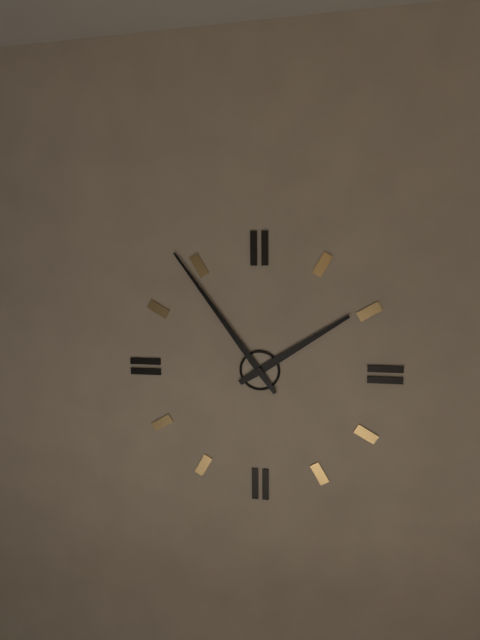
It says 1 h 54 min
